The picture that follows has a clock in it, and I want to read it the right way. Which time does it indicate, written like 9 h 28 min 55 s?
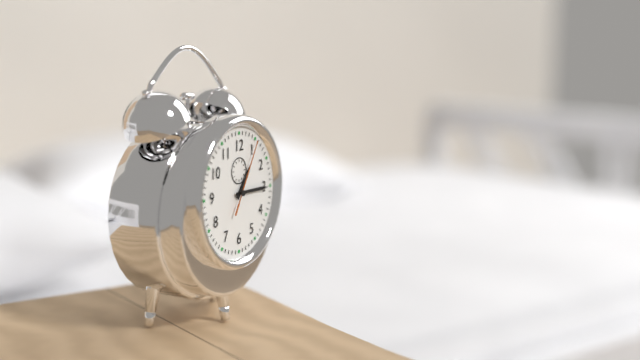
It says 1 h 15 min 05 s
